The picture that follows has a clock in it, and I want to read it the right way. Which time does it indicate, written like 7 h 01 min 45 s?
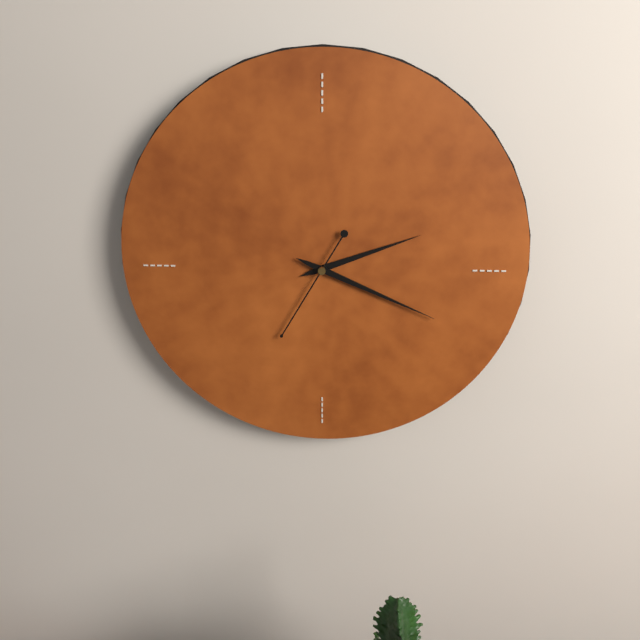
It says 2 h 19 min 35 s
